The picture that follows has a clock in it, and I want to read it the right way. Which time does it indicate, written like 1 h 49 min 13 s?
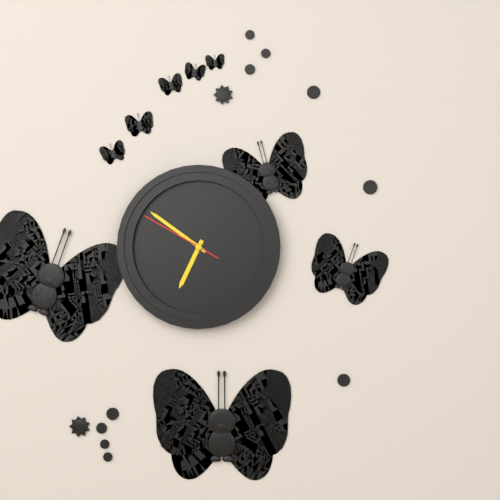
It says 6 h 51 min 50 s
